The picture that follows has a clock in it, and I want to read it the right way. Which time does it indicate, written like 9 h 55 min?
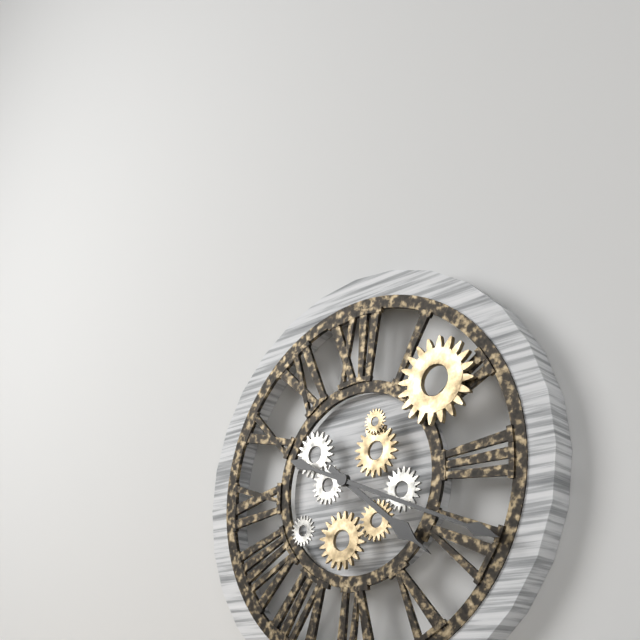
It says 4 h 19 min
